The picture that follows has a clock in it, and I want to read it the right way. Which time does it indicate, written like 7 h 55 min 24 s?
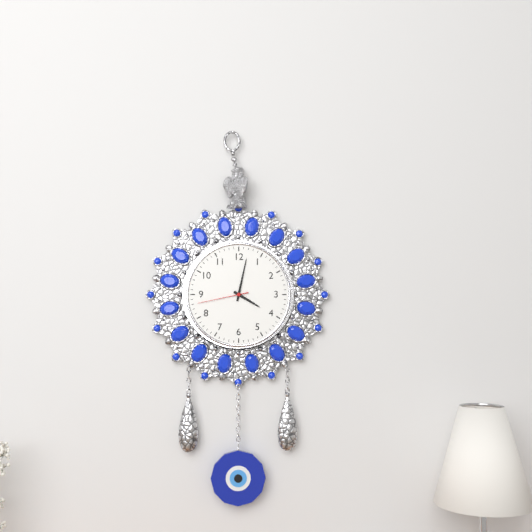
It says 4 h 02 min 43 s
